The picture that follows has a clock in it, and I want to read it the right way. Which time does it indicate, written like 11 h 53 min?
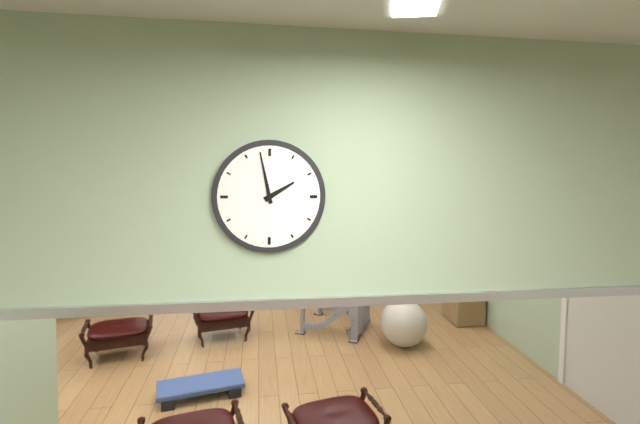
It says 1 h 58 min
